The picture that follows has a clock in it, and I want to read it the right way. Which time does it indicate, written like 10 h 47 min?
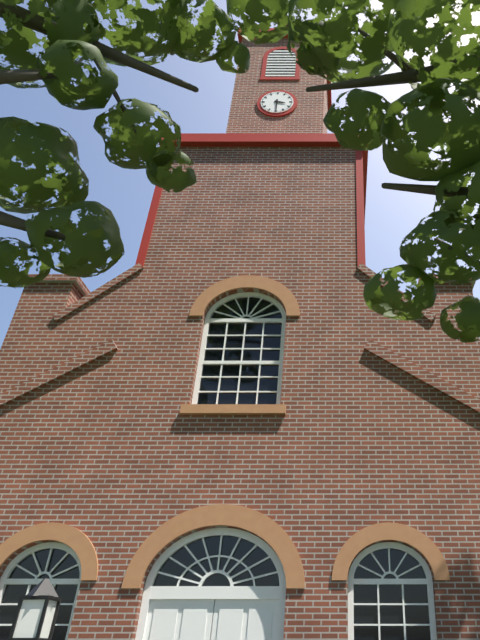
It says 3 h 30 min
